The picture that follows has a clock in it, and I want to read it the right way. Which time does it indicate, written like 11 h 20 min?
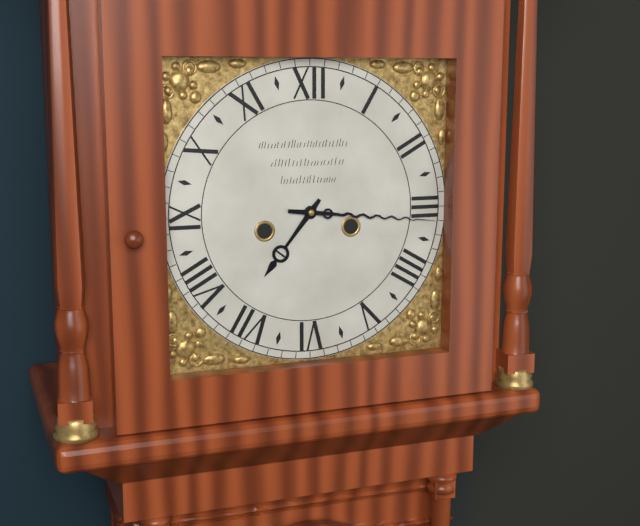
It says 7 h 16 min
